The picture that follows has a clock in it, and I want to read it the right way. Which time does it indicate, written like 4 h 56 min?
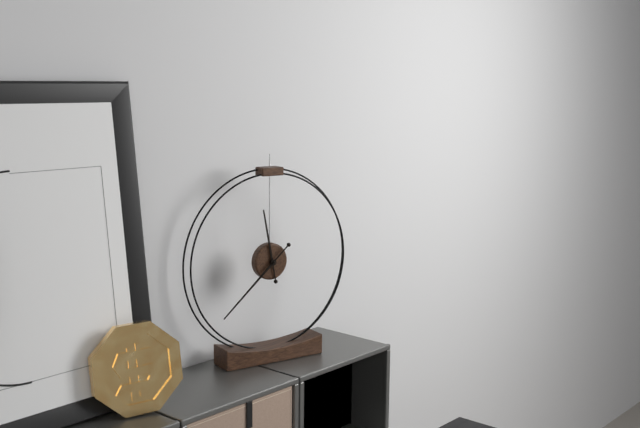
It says 11 h 38 min
